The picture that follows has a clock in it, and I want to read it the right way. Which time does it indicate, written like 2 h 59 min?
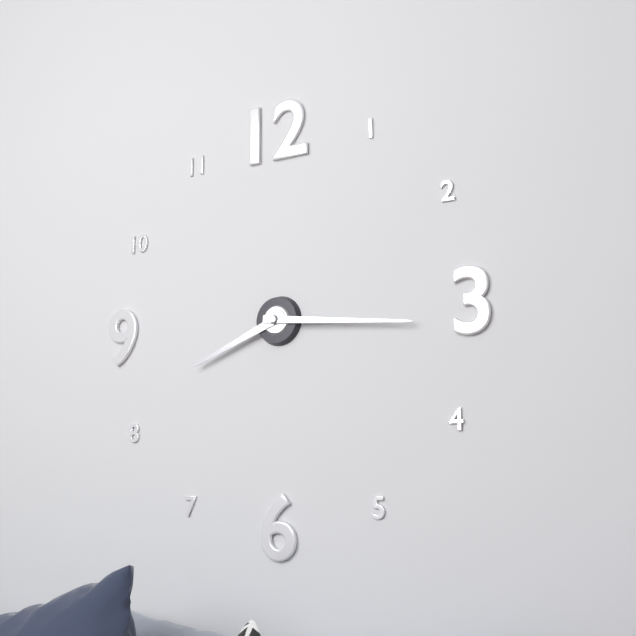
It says 8 h 16 min
